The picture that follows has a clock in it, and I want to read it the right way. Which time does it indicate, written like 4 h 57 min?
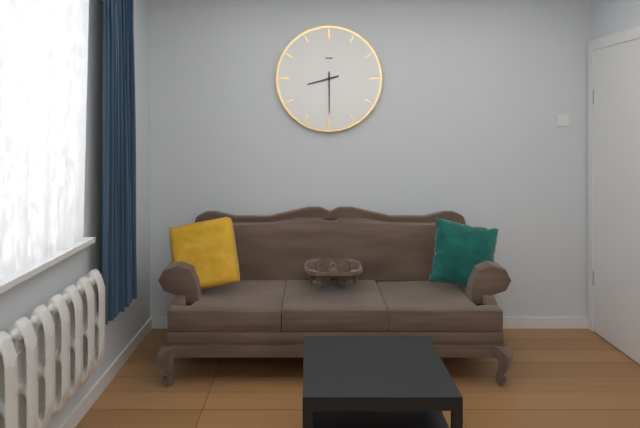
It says 8 h 30 min
